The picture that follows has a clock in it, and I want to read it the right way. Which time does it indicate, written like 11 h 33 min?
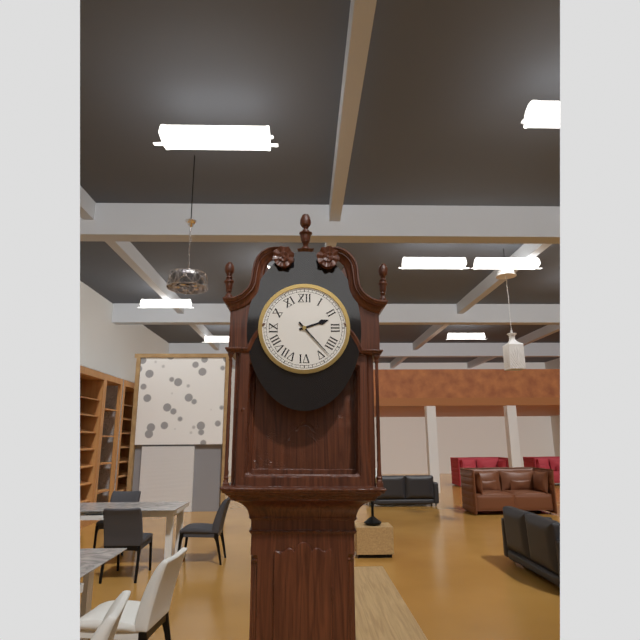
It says 2 h 23 min
